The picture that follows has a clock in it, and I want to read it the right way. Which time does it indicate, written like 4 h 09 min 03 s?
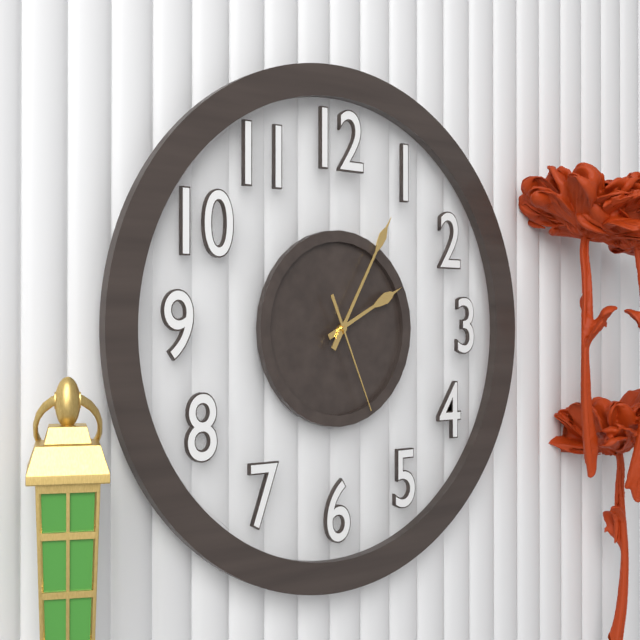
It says 2 h 05 min 26 s
